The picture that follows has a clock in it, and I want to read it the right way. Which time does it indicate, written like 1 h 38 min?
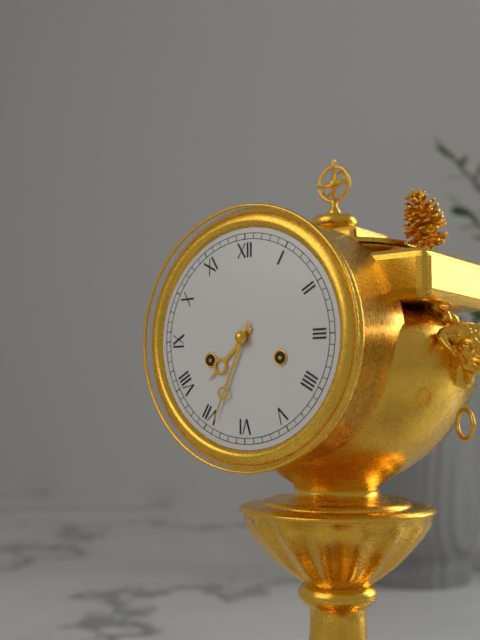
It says 7 h 34 min
